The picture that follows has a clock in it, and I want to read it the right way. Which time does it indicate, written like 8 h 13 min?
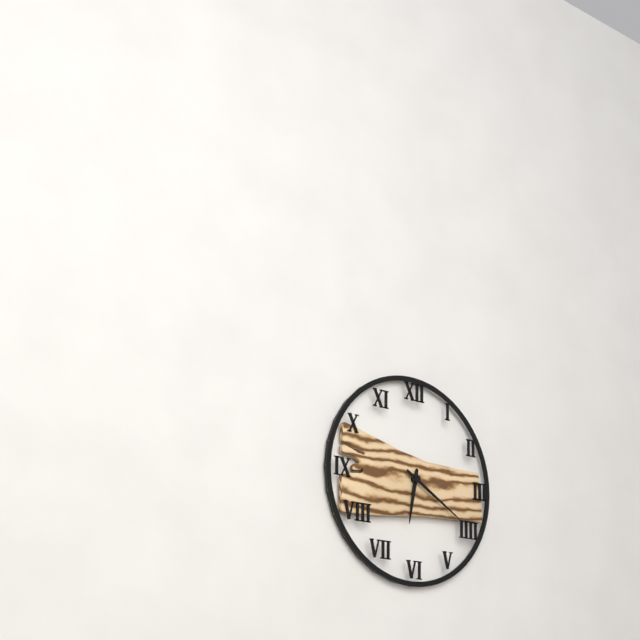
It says 6 h 20 min
